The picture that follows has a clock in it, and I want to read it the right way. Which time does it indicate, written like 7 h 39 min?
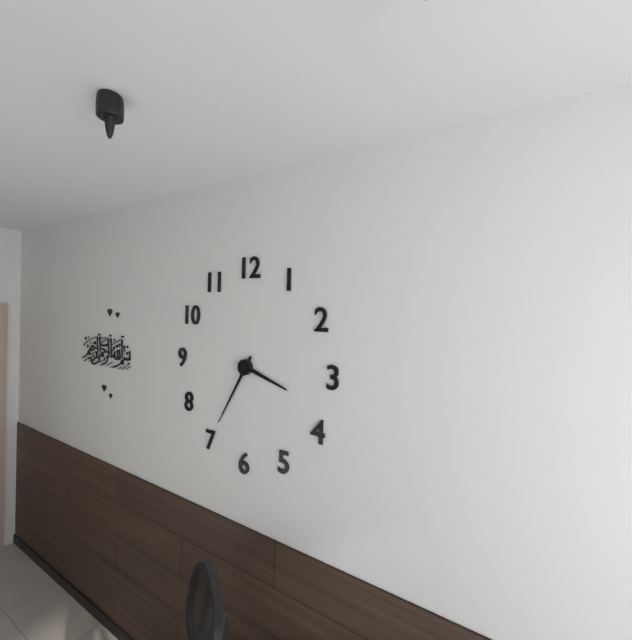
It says 3 h 35 min
